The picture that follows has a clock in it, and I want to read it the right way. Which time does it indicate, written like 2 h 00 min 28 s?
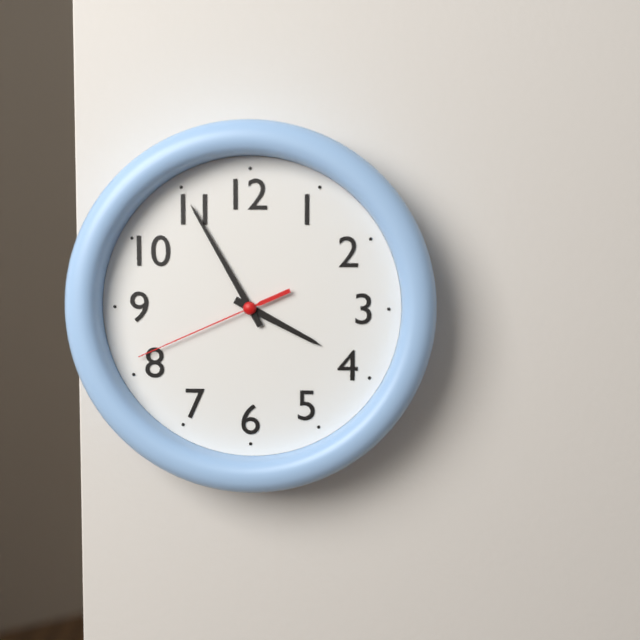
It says 3 h 55 min 41 s
